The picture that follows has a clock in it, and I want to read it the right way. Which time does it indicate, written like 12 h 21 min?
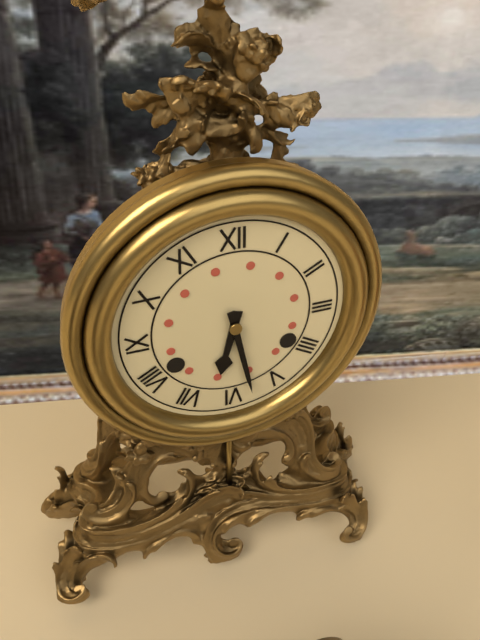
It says 6 h 28 min
